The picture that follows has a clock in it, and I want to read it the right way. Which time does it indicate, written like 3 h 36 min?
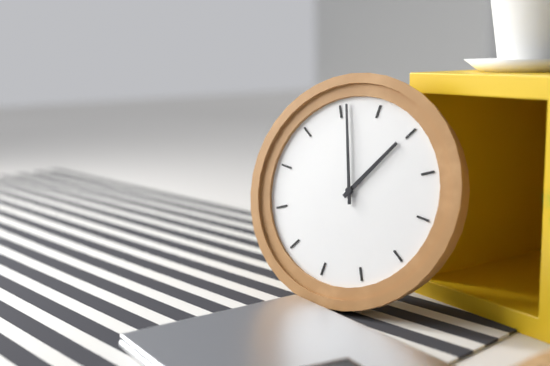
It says 12 h 56 min
